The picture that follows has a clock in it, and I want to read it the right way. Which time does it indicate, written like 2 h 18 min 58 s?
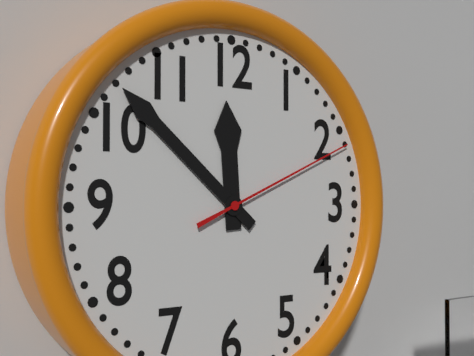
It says 11 h 52 min 11 s
